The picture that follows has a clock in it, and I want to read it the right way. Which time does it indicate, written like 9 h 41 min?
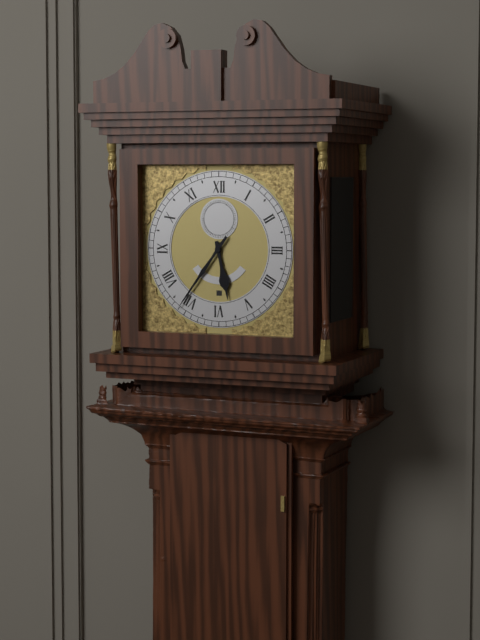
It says 5 h 36 min
